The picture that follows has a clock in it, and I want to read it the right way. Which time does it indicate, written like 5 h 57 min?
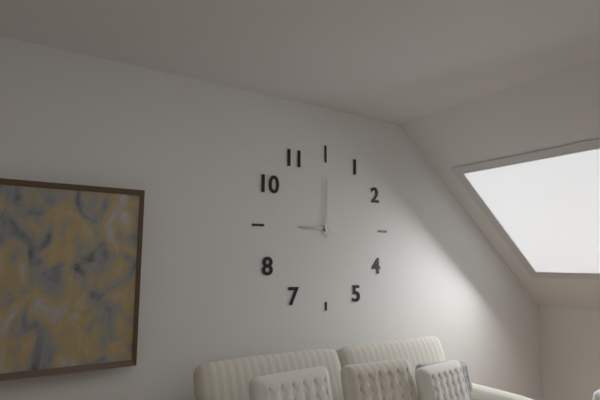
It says 9 h 00 min
